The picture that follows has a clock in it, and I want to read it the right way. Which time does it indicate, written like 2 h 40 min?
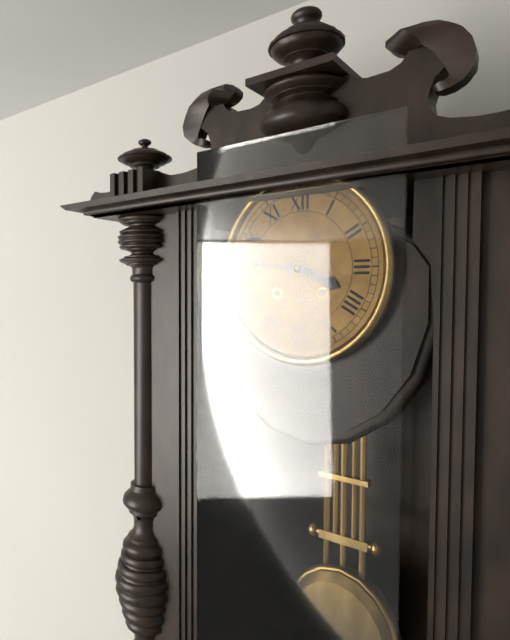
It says 3 h 46 min
